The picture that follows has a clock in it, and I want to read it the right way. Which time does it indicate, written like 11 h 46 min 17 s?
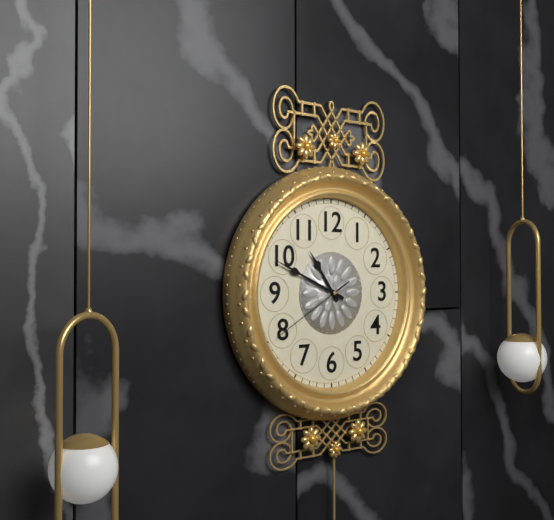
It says 10 h 49 min 40 s
